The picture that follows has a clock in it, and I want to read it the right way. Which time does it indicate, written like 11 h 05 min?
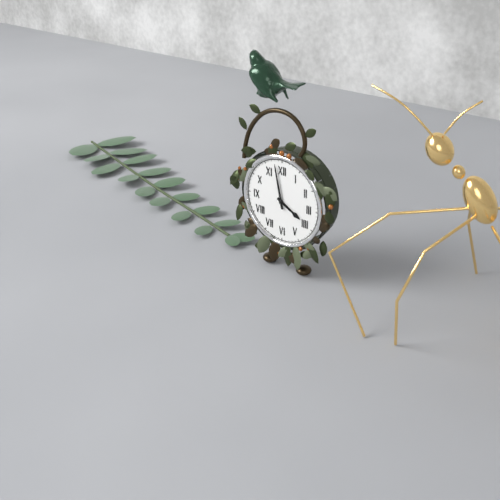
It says 3 h 58 min
